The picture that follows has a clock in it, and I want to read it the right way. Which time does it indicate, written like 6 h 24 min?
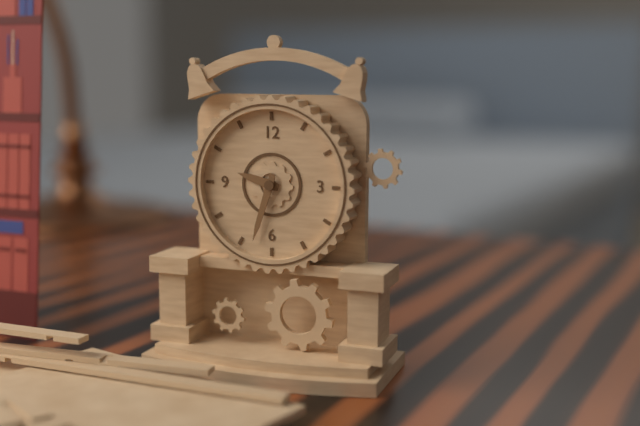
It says 9 h 33 min
